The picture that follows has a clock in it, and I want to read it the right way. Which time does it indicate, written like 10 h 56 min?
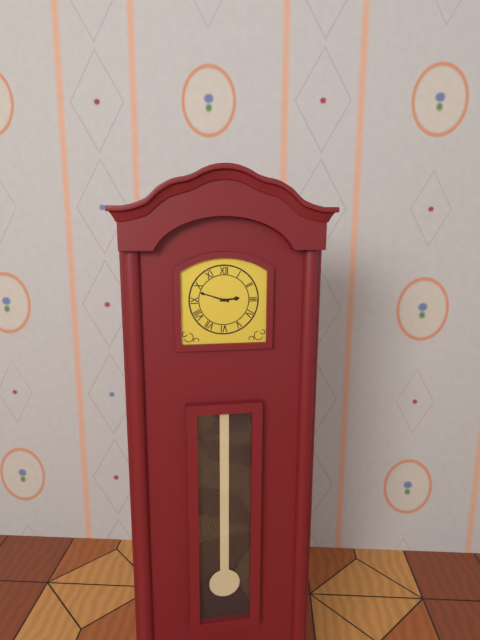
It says 2 h 48 min
